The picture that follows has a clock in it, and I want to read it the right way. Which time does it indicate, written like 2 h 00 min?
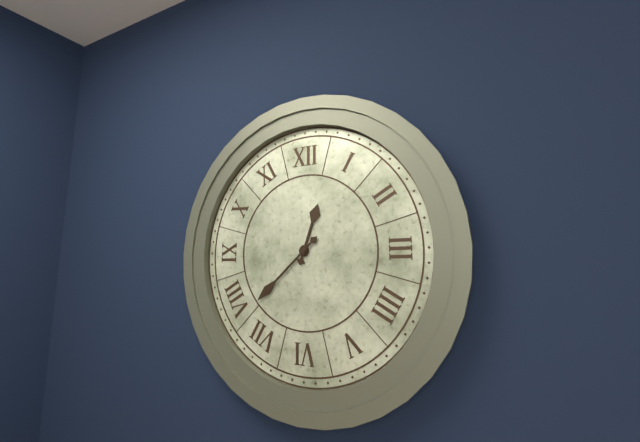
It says 12 h 38 min
